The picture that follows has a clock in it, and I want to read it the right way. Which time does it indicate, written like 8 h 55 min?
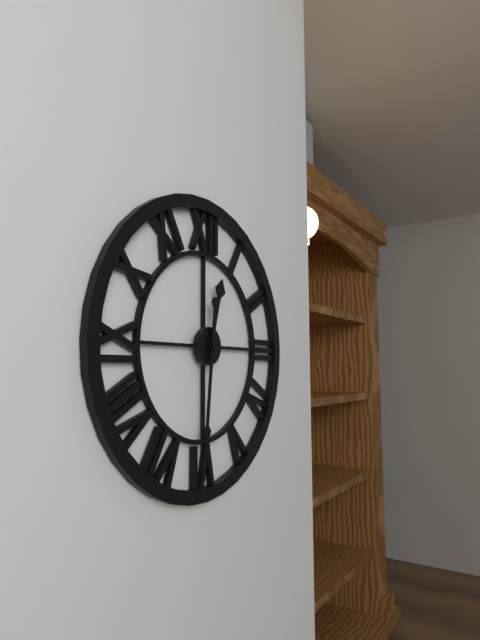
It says 12 h 31 min
